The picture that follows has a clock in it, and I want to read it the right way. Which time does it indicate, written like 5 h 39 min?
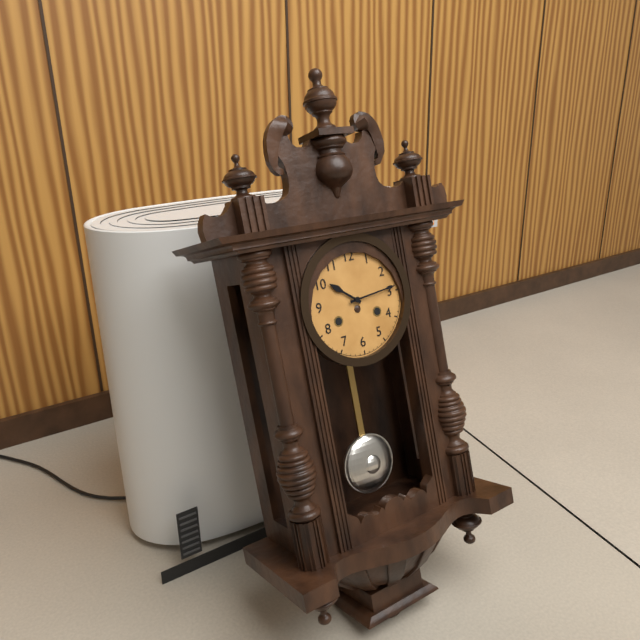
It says 10 h 14 min
